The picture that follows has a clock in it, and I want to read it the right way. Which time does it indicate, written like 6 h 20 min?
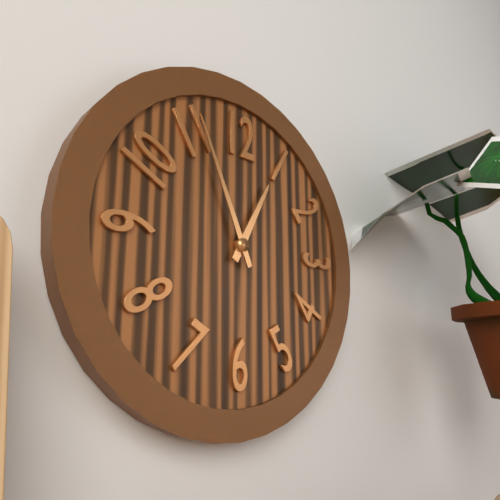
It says 12 h 56 min
